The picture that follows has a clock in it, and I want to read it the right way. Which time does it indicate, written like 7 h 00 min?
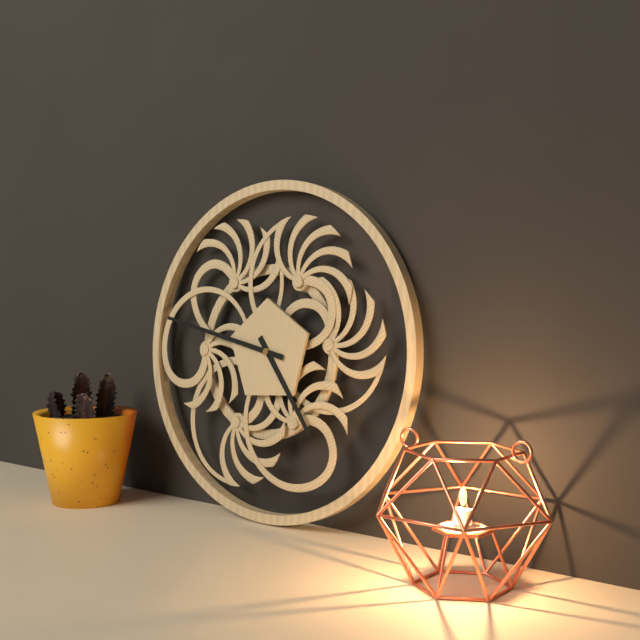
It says 4 h 47 min
